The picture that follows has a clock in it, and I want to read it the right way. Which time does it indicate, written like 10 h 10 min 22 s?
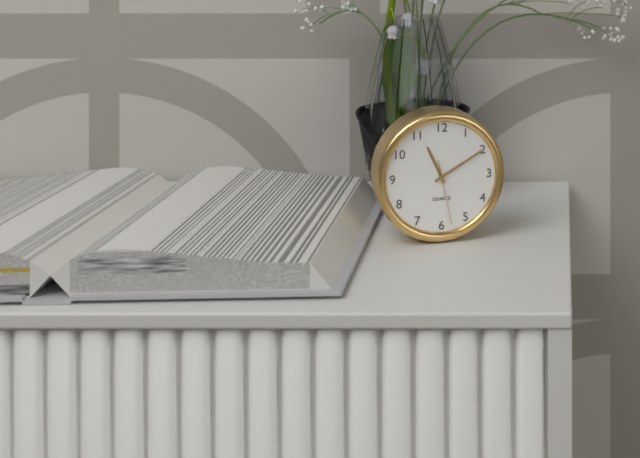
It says 11 h 10 min 28 s
